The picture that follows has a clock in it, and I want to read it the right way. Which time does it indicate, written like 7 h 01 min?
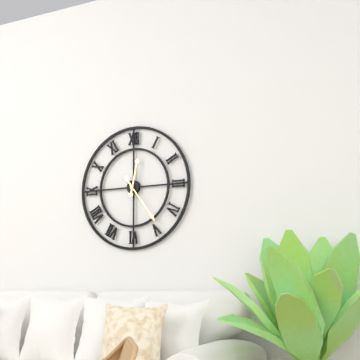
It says 12 h 24 min
